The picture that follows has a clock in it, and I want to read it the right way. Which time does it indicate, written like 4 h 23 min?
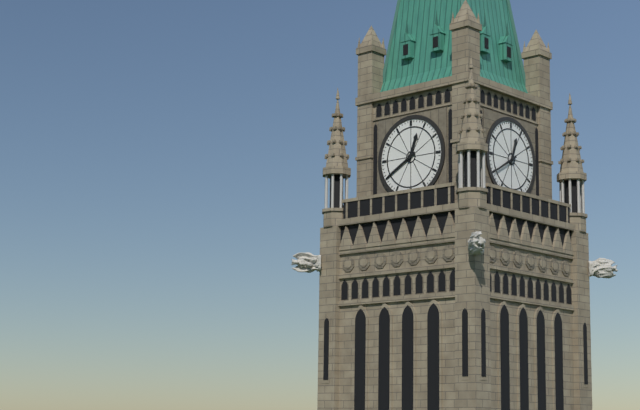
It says 12 h 40 min
